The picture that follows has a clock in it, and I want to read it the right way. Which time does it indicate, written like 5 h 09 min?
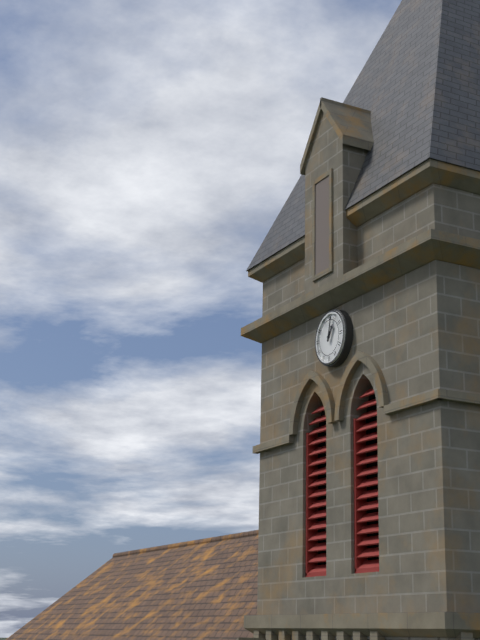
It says 1 h 02 min
